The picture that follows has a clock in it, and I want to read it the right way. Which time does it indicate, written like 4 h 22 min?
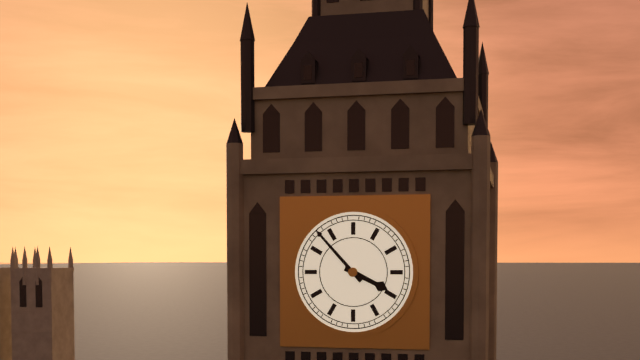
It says 3 h 53 min
